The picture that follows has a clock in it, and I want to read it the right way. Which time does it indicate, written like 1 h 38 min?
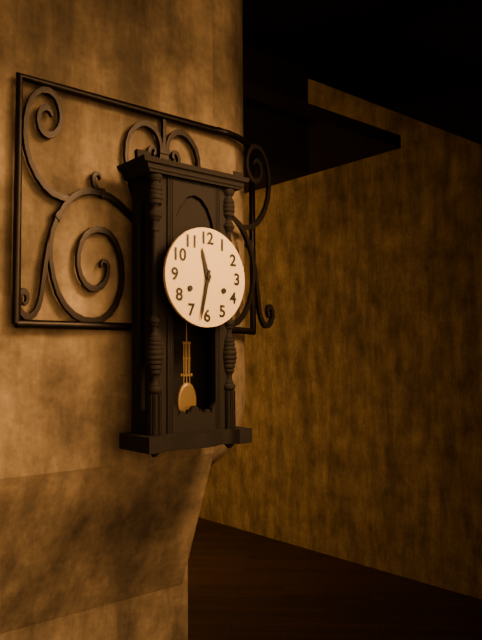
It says 11 h 32 min
